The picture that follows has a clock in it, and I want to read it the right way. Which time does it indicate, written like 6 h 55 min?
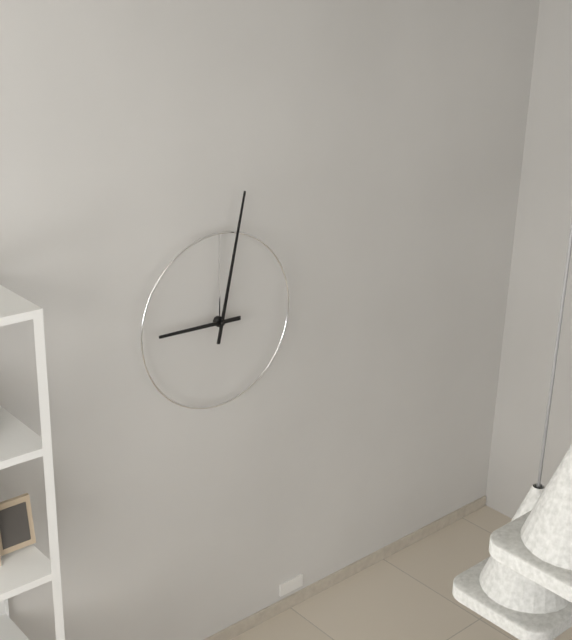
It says 9 h 02 min
